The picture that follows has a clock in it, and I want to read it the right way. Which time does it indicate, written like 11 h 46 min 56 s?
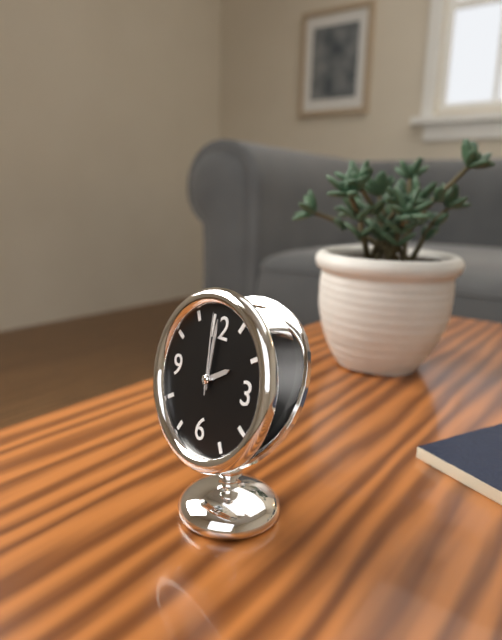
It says 2 h 00 min 59 s
